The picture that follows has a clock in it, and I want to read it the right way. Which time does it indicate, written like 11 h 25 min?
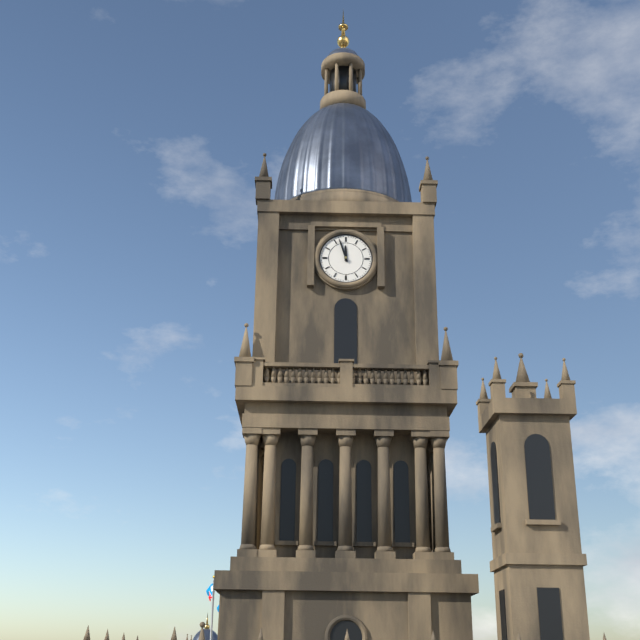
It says 11 h 57 min
